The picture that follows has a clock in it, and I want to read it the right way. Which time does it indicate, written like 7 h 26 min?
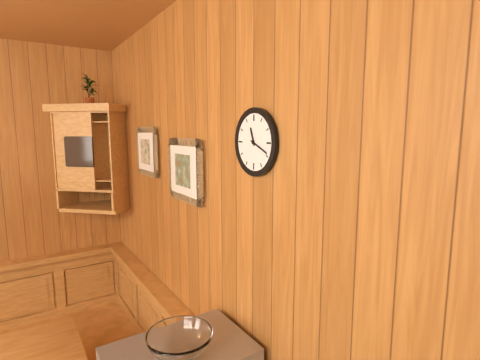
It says 11 h 19 min
